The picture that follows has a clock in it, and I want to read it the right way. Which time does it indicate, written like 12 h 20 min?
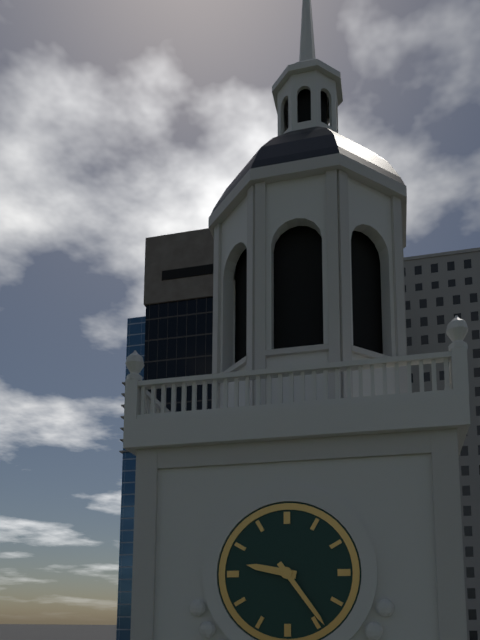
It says 9 h 24 min
